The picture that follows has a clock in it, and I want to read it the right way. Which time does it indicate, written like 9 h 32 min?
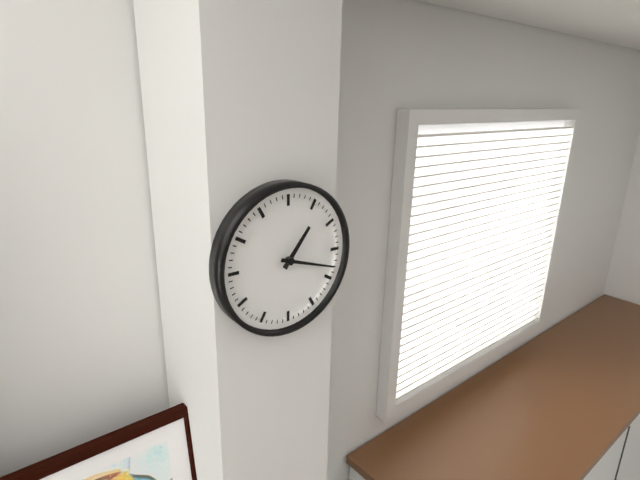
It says 1 h 18 min
